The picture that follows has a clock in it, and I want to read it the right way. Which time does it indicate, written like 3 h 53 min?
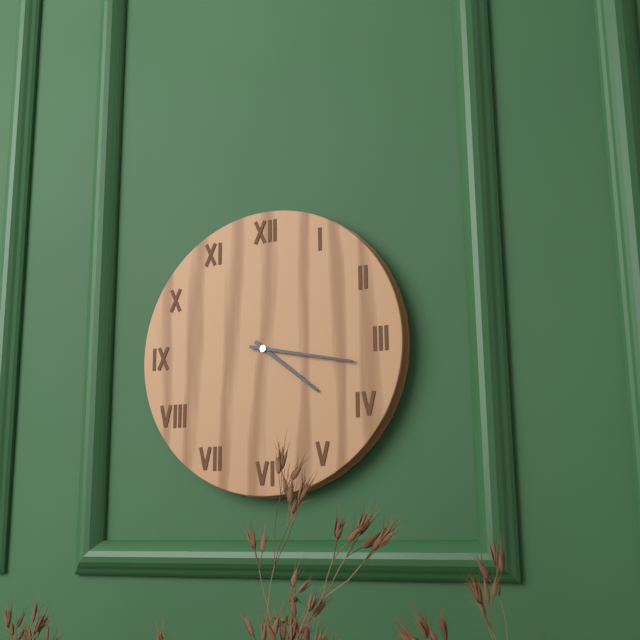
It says 4 h 17 min
